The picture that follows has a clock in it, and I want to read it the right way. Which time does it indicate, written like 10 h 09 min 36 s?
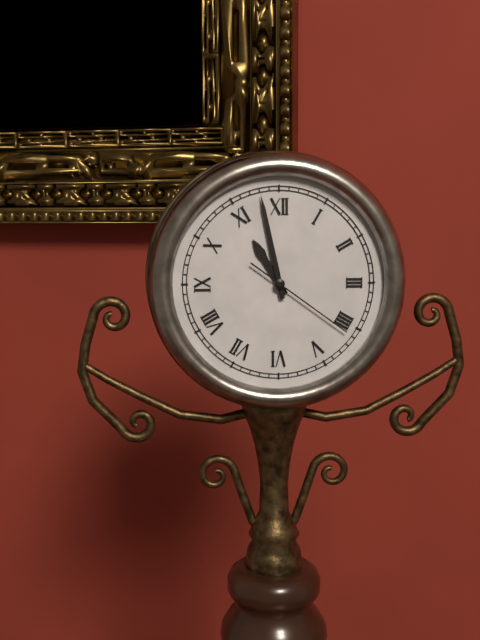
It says 10 h 58 min 21 s
